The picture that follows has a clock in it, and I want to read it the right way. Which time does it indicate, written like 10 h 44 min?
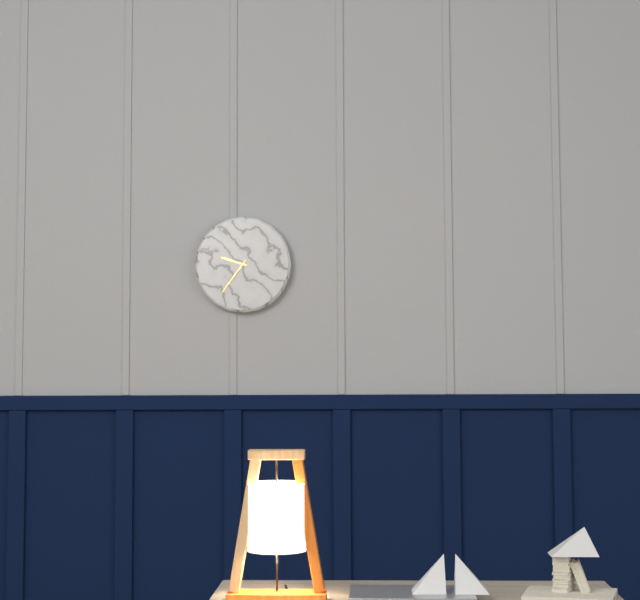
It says 9 h 36 min
